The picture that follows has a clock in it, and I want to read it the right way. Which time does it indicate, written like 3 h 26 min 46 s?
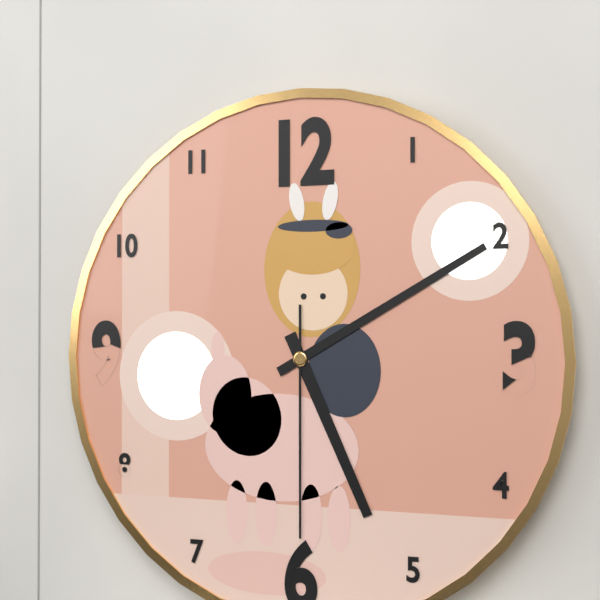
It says 5 h 10 min 30 s
